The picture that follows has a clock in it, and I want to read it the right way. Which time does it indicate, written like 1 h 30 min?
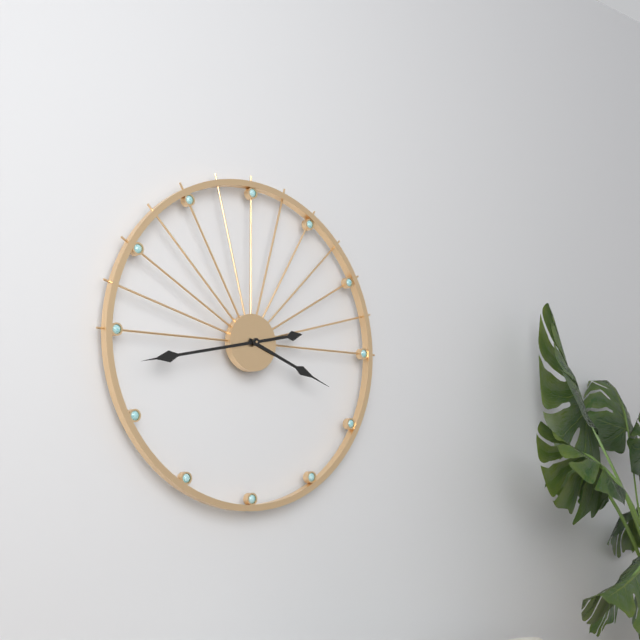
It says 3 h 43 min
